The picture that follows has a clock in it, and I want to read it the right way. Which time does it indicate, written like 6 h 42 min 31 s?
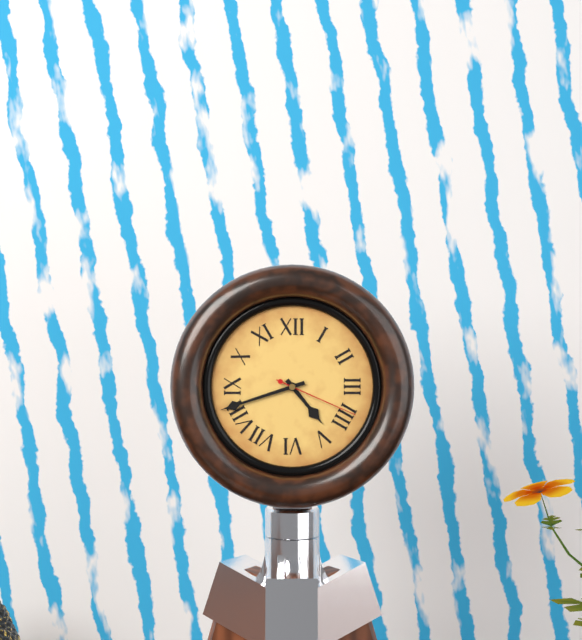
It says 4 h 42 min 19 s
